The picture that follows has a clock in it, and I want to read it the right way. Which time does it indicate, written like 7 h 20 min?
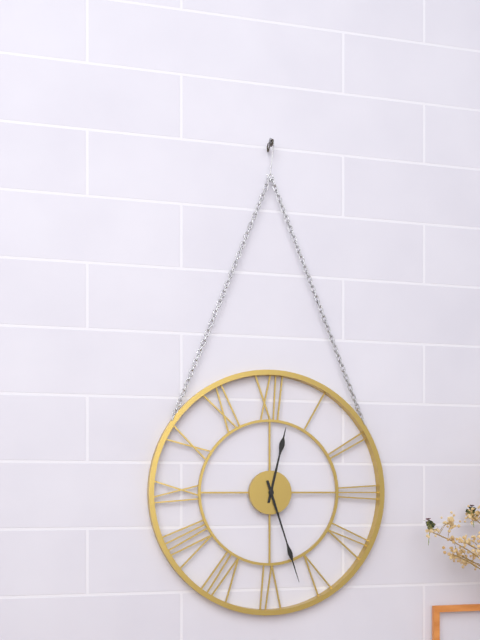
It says 12 h 27 min
